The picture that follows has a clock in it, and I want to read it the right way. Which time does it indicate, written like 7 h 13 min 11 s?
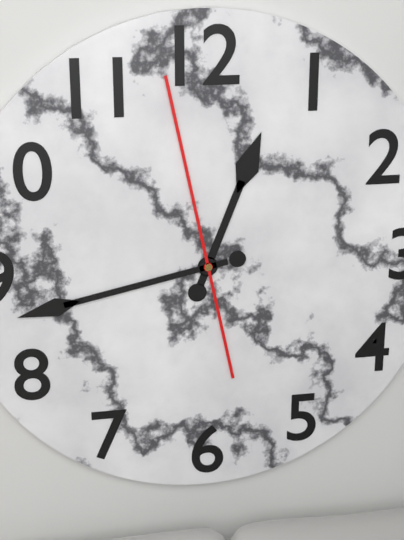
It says 12 h 43 min 58 s
